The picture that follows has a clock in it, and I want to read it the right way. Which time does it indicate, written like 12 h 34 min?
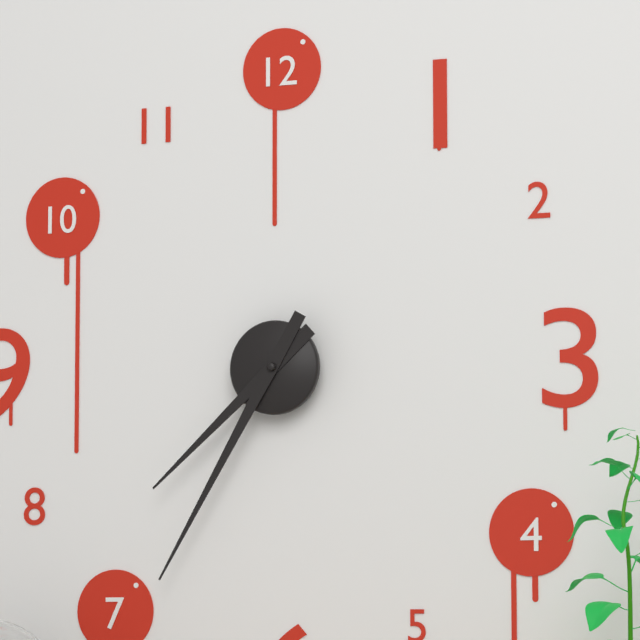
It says 7 h 35 min
